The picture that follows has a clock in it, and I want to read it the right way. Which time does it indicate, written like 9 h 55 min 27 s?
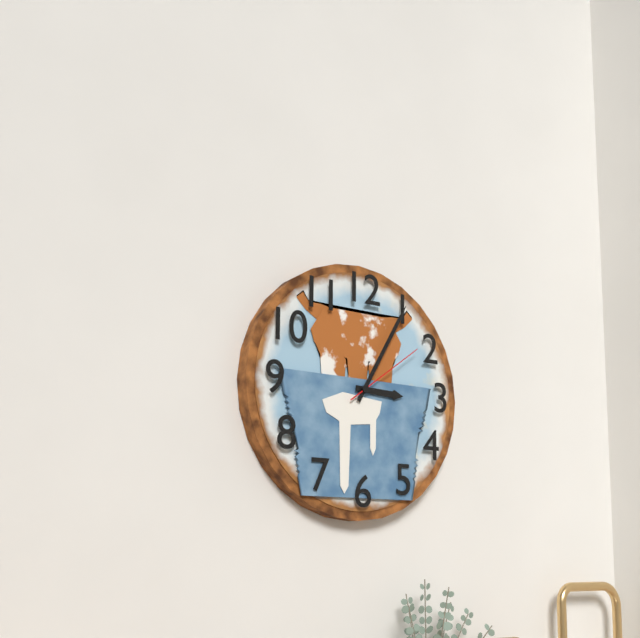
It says 3 h 05 min 09 s
